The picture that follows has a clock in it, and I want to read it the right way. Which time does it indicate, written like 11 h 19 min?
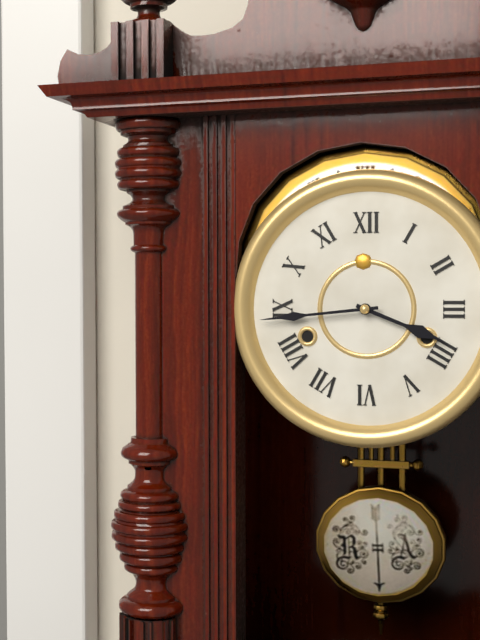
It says 3 h 44 min
